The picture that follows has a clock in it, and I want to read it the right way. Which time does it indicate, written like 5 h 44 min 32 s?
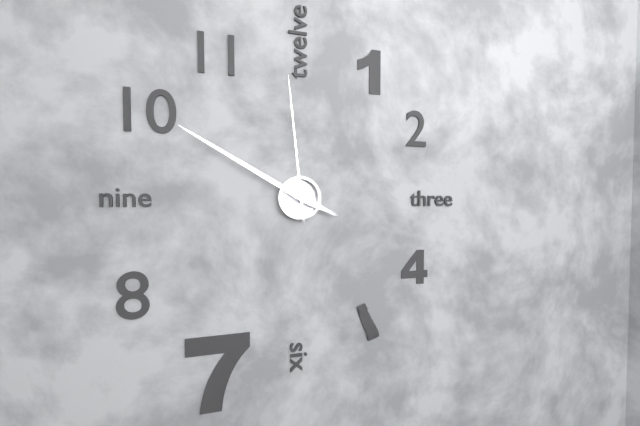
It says 3 h 50 min 59 s
